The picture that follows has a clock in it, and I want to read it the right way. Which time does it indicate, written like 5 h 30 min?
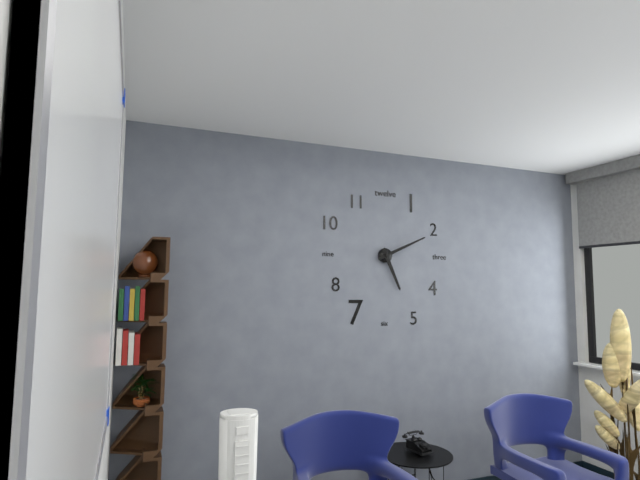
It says 5 h 11 min
